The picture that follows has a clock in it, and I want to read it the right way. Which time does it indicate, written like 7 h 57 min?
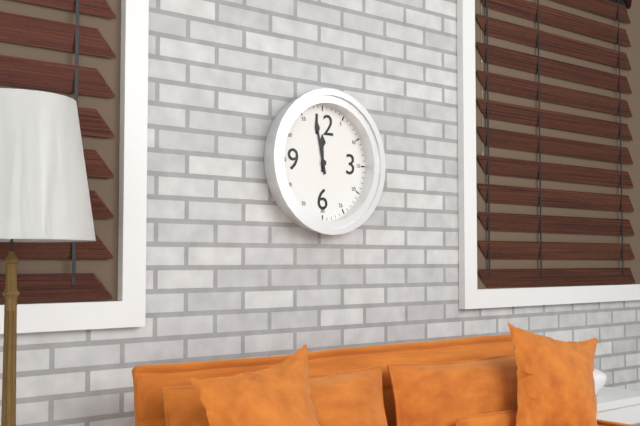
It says 11 h 58 min
